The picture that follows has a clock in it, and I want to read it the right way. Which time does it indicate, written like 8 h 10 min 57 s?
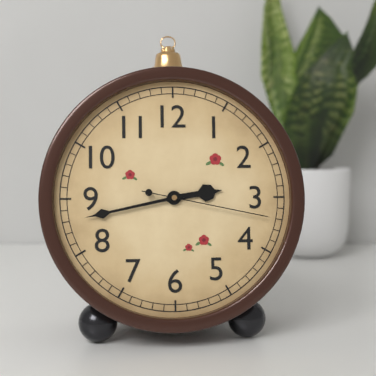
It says 2 h 43 min 17 s
